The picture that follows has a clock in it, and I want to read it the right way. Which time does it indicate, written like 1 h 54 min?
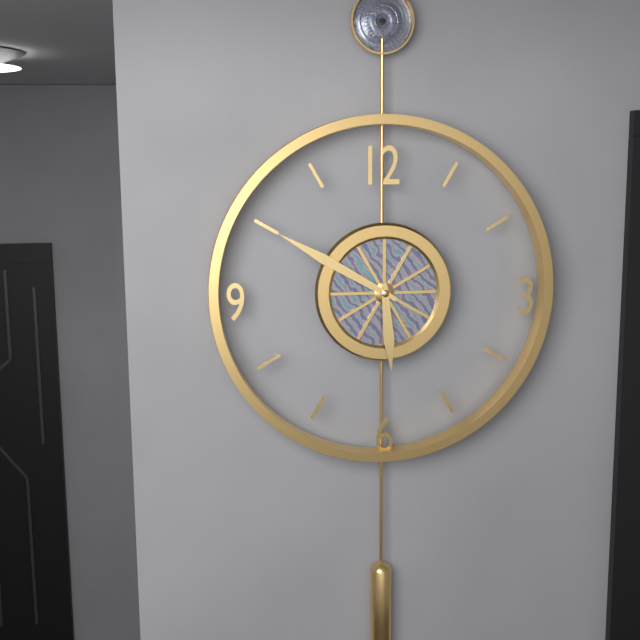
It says 5 h 50 min
